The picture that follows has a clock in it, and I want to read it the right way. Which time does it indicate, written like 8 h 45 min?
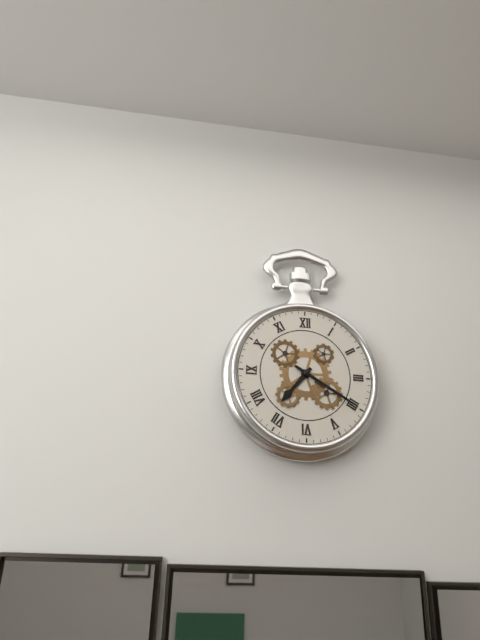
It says 7 h 20 min
